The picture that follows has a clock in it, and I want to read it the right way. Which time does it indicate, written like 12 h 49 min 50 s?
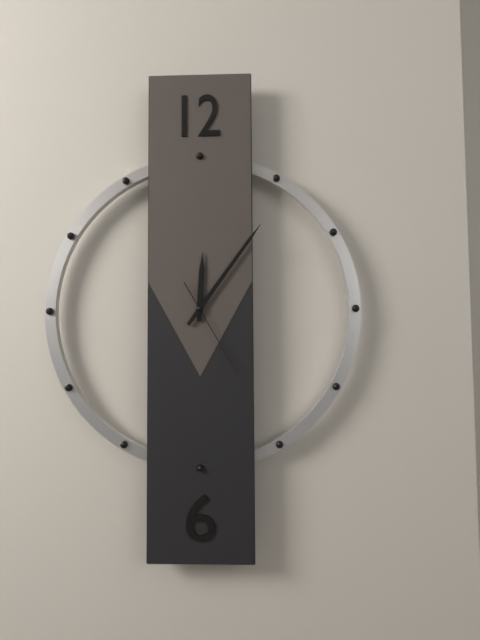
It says 12 h 06 min 25 s
